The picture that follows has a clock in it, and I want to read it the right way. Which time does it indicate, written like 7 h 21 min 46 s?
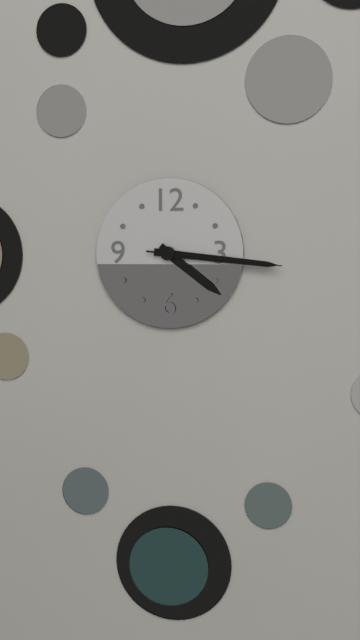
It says 4 h 16 min 16 s
